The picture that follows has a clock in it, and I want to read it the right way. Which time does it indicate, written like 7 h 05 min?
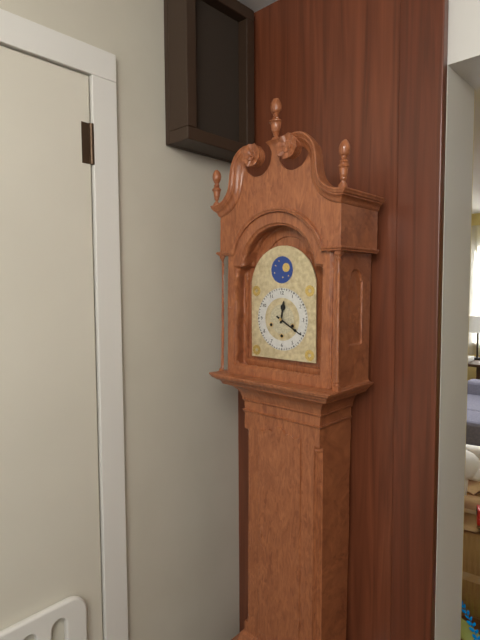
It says 12 h 20 min
